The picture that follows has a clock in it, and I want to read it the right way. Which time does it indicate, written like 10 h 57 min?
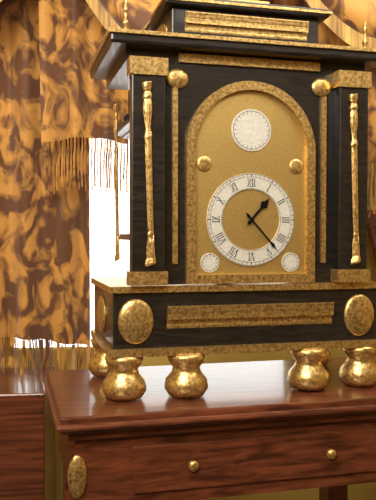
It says 1 h 23 min
